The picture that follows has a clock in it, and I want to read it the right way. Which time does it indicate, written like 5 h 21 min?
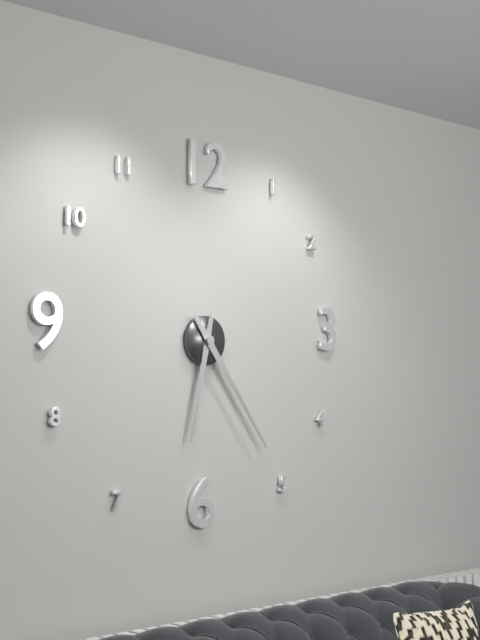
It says 6 h 24 min
